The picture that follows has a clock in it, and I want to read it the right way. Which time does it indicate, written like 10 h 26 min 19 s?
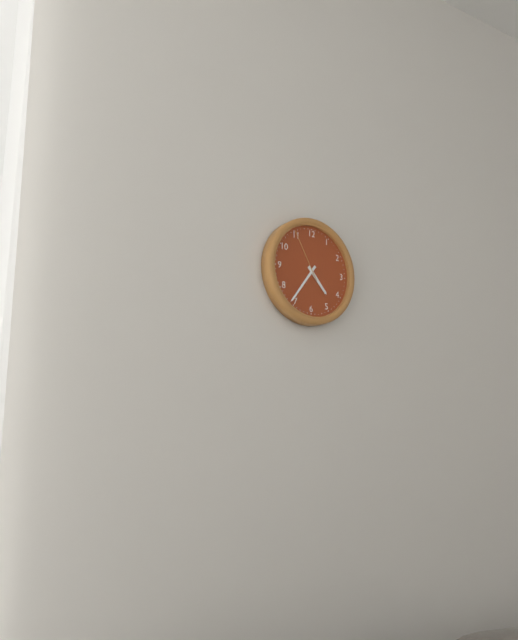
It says 4 h 36 min 55 s
